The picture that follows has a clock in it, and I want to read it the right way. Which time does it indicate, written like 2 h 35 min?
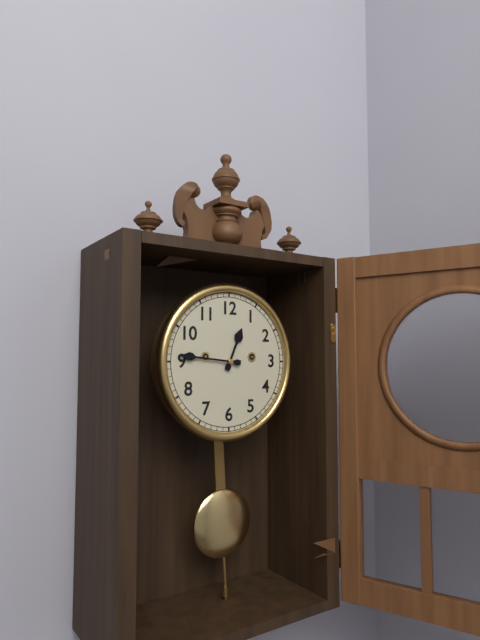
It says 12 h 46 min
